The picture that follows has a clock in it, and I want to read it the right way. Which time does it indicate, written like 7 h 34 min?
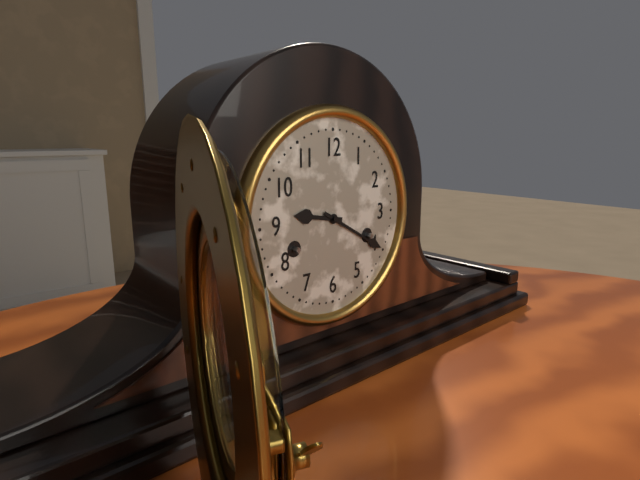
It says 9 h 20 min
